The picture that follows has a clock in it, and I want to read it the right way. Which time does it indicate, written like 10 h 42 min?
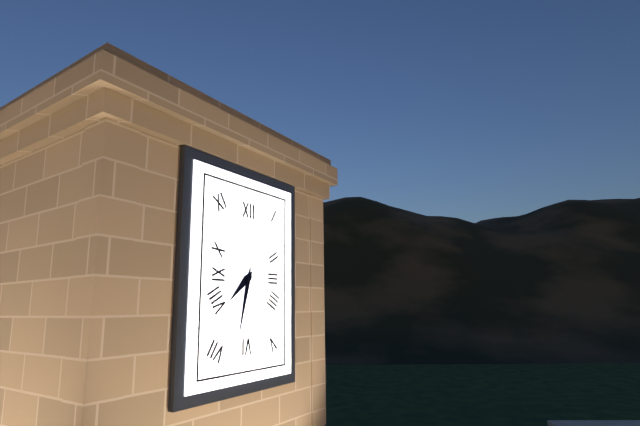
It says 7 h 32 min
